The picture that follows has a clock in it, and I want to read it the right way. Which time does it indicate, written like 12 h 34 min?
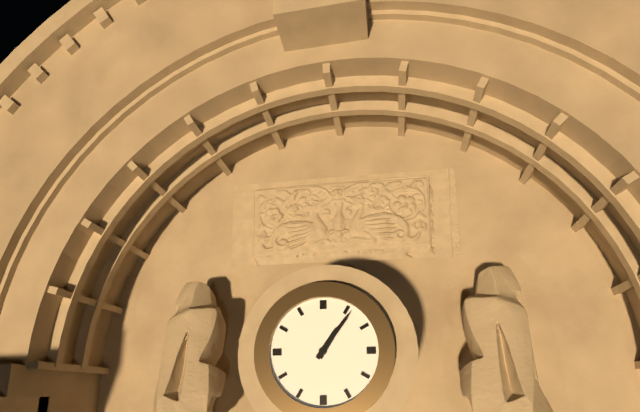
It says 1 h 06 min
